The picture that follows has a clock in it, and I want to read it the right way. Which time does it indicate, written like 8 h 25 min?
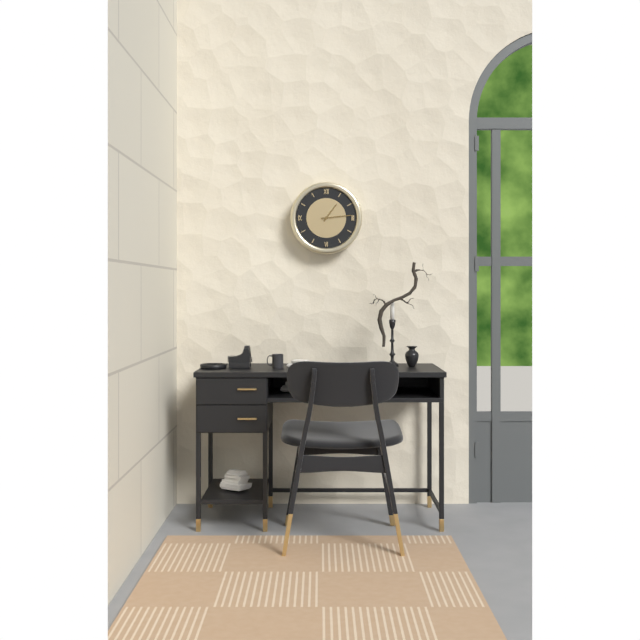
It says 1 h 14 min
